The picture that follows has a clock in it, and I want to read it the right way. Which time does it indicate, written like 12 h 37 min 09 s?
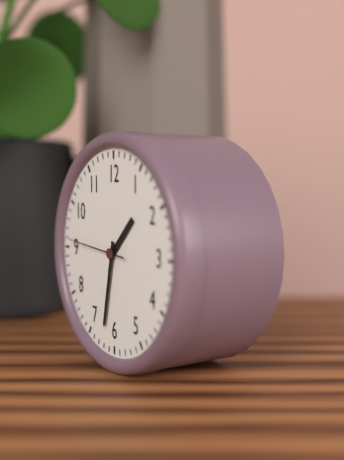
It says 1 h 32 min 46 s
